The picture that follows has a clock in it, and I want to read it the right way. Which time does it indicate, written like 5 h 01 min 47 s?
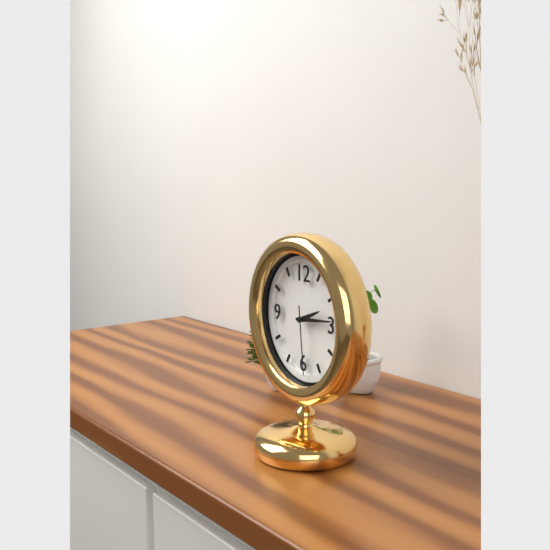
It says 2 h 14 min 29 s
